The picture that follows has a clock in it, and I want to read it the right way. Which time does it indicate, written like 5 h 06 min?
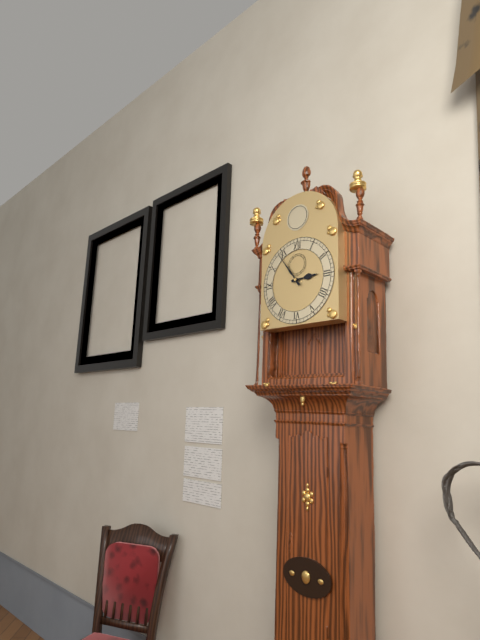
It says 2 h 54 min
